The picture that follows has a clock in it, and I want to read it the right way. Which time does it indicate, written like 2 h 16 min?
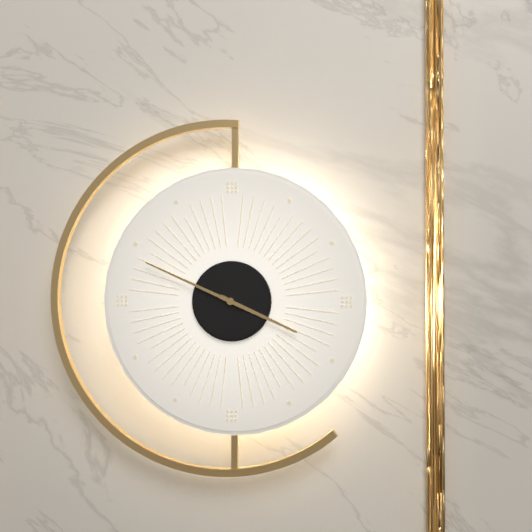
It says 3 h 49 min
